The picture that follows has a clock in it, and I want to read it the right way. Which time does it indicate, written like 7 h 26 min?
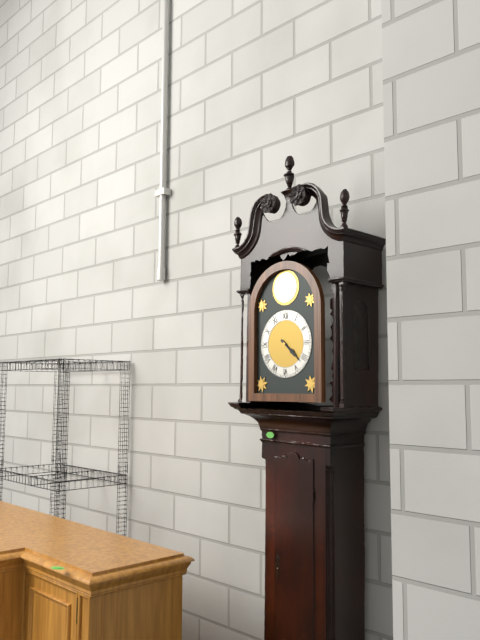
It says 4 h 22 min
